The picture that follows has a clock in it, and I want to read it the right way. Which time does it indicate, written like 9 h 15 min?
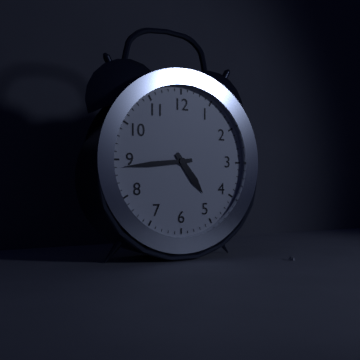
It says 4 h 44 min
